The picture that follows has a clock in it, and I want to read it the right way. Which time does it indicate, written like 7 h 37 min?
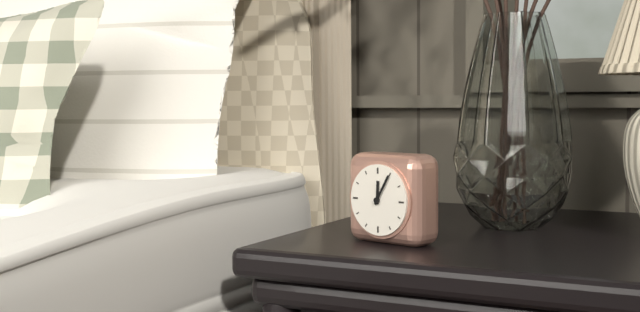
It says 12 h 05 min
